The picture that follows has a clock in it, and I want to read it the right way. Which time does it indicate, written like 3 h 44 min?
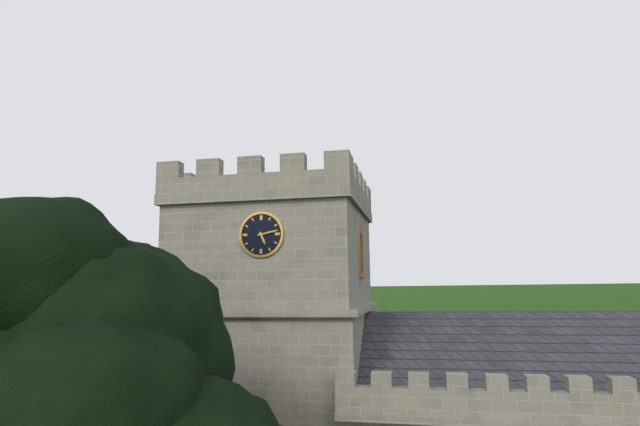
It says 5 h 13 min
